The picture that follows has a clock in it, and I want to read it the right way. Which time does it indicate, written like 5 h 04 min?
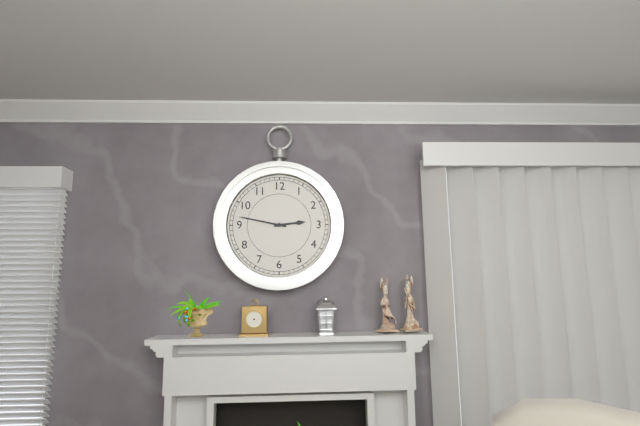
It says 2 h 47 min
